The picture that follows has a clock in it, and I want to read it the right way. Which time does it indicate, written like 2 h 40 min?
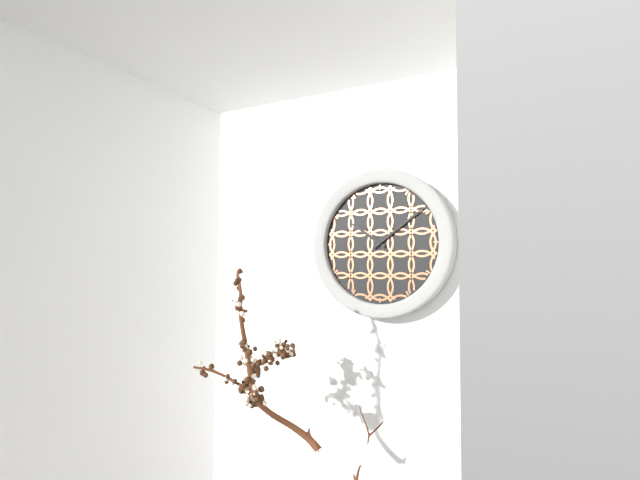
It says 10 h 09 min
